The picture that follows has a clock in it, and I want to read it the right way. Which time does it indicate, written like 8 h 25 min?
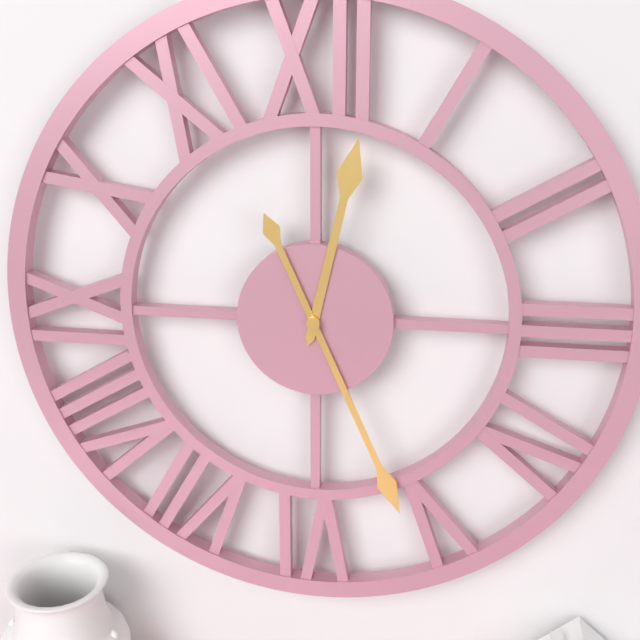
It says 12 h 26 min
